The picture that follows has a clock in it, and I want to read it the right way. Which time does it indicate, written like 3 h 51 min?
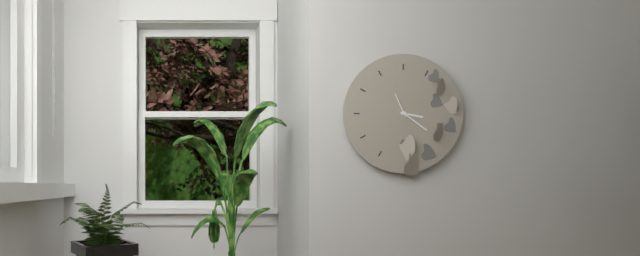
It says 3 h 21 min
